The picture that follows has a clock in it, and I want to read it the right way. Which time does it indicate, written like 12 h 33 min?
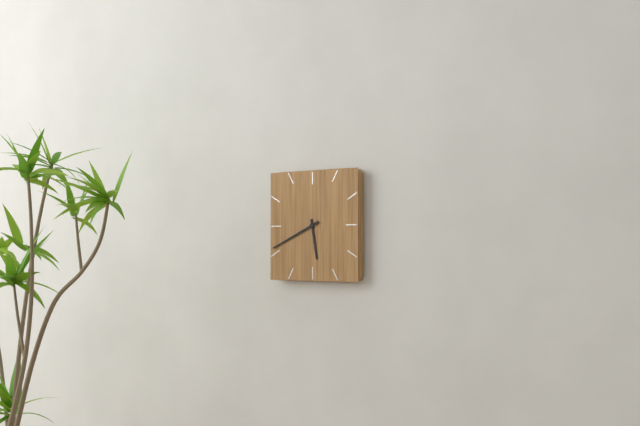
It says 5 h 41 min
